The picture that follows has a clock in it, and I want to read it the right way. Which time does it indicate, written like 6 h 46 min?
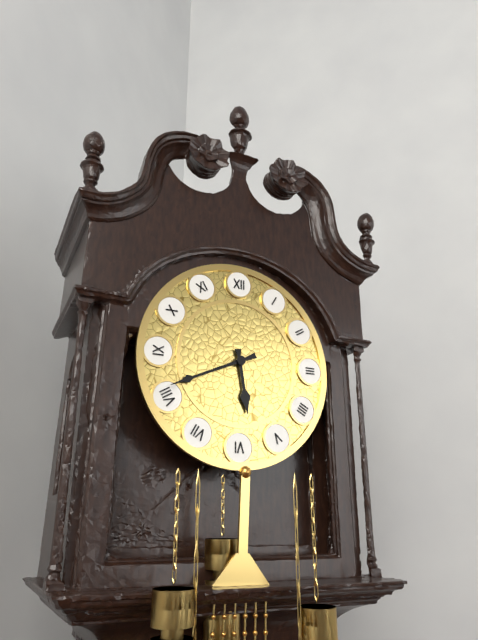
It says 5 h 41 min
